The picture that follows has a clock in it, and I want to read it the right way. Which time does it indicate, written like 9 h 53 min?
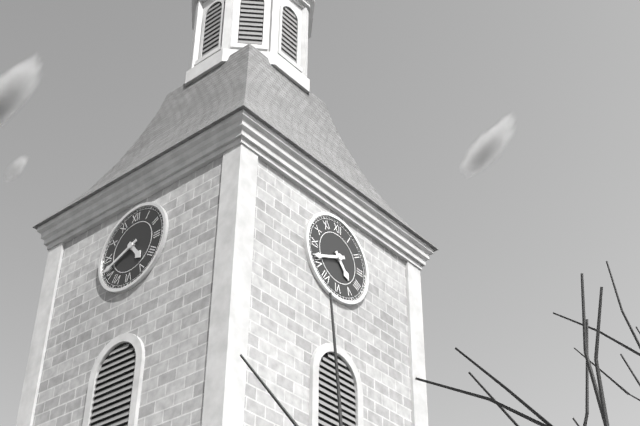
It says 4 h 41 min
